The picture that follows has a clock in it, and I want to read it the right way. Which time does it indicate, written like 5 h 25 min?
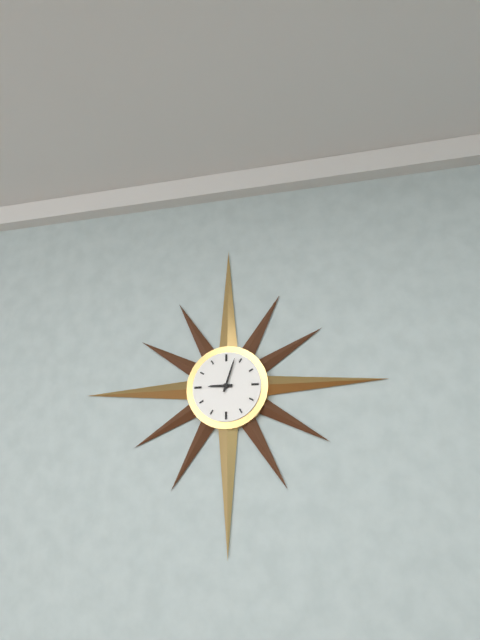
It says 9 h 03 min
